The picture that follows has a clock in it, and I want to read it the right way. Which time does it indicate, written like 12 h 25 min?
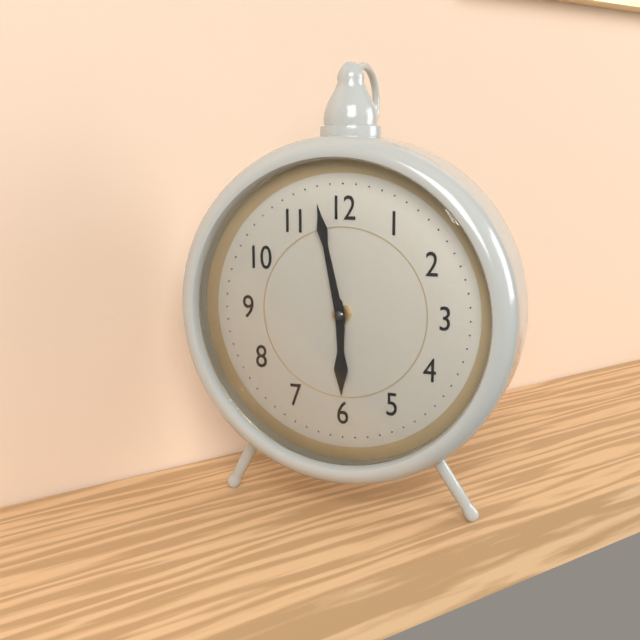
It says 5 h 58 min
